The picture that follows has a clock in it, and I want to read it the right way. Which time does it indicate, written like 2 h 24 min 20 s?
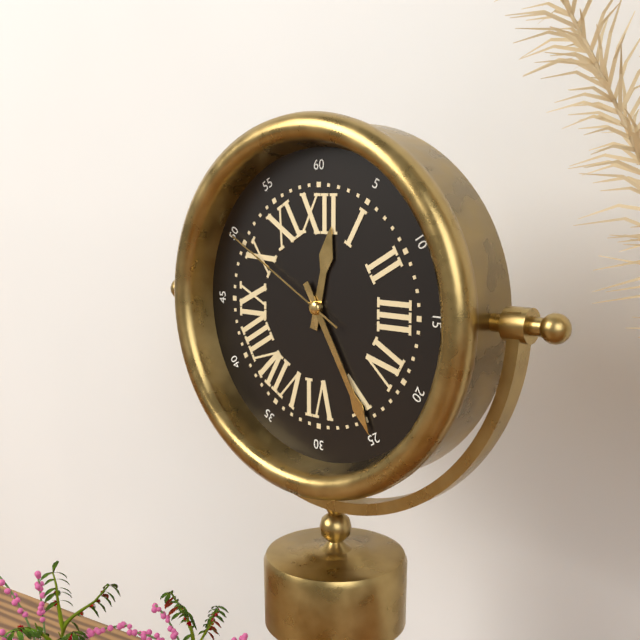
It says 12 h 25 min 50 s
